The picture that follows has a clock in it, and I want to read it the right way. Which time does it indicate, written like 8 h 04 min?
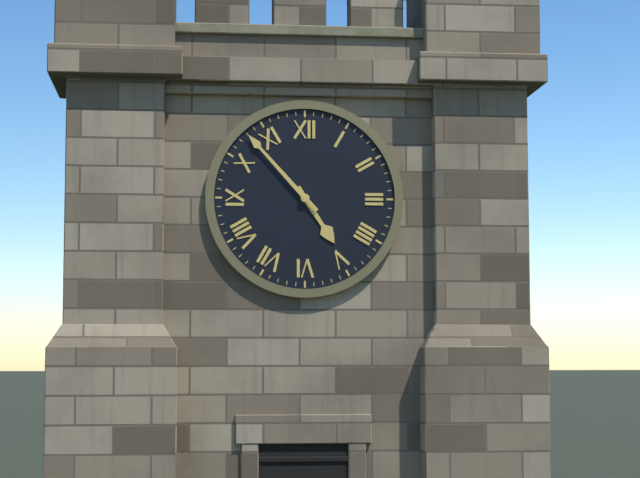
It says 4 h 53 min
